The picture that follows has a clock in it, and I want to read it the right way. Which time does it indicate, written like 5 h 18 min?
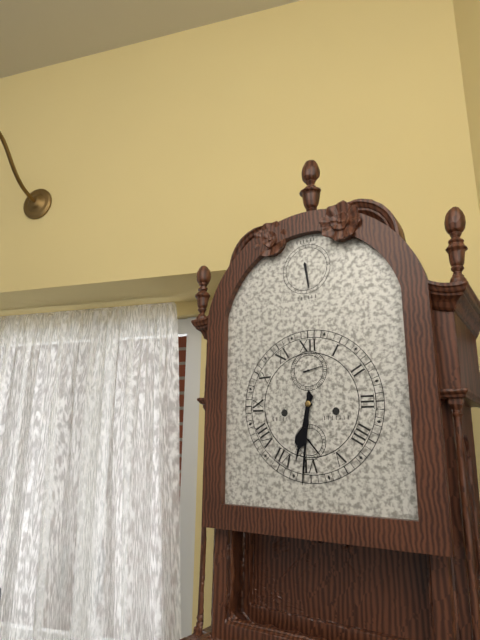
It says 6 h 31 min
